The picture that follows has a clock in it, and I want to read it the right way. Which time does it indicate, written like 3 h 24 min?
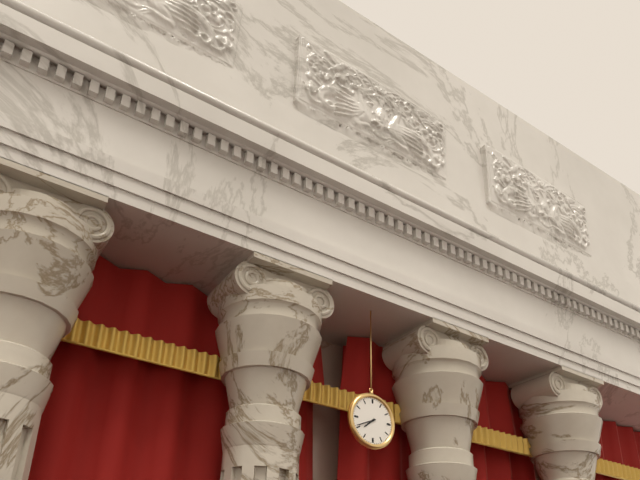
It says 7 h 41 min
